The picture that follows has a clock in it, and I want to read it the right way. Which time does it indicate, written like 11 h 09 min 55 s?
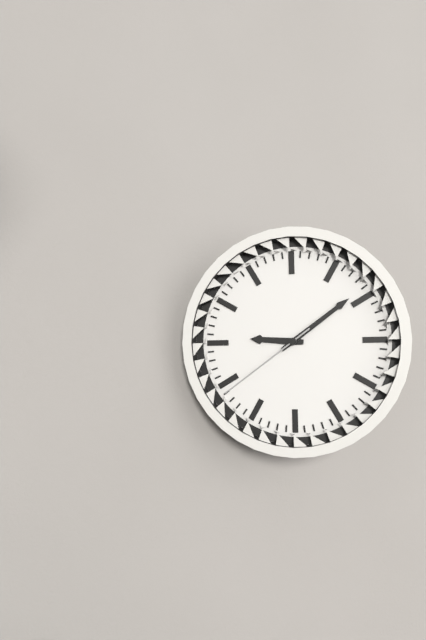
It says 9 h 09 min 39 s
